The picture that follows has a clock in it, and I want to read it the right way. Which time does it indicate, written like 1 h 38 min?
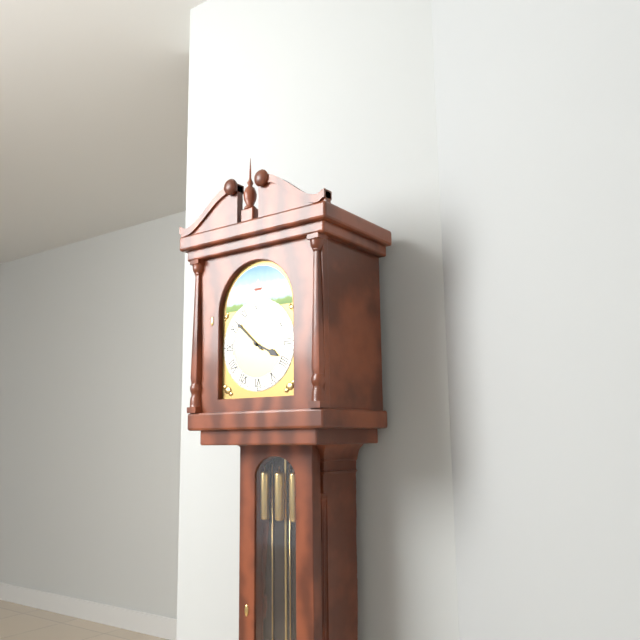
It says 3 h 52 min
